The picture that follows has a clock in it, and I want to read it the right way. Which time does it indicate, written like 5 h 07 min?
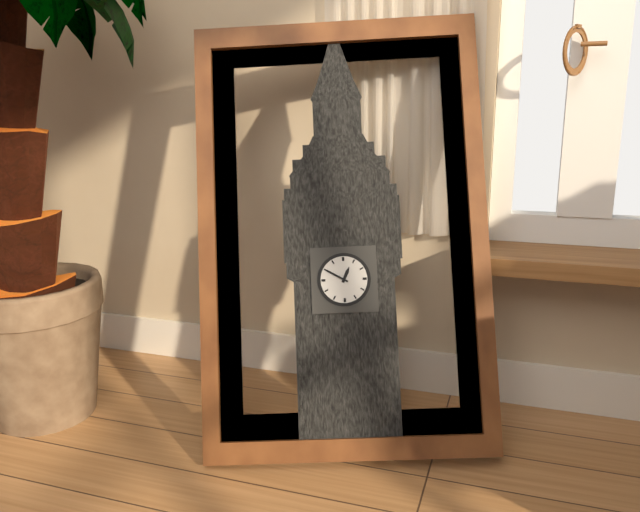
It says 12 h 50 min
